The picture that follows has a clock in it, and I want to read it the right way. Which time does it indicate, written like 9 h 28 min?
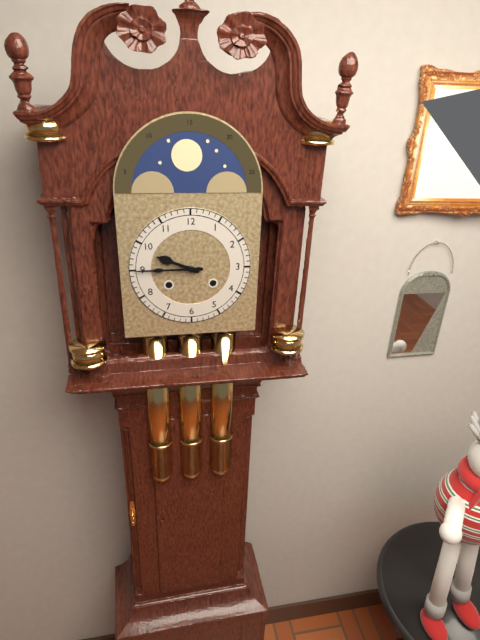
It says 9 h 45 min
